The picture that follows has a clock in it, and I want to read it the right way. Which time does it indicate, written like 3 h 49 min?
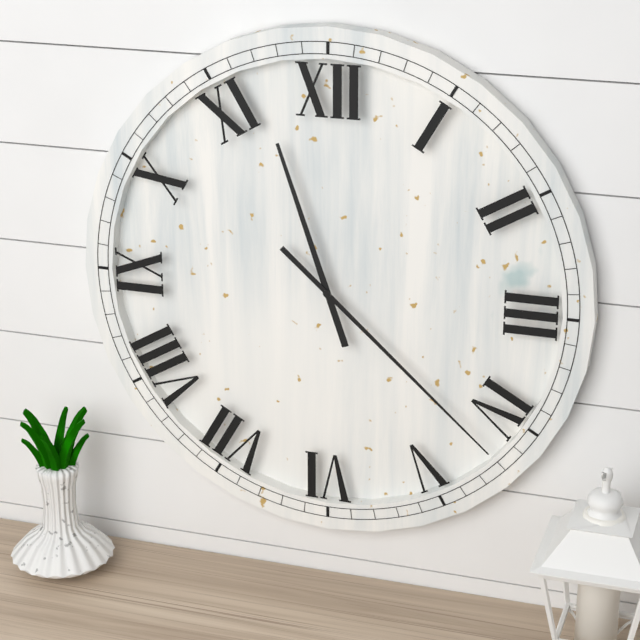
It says 11 h 22 min
